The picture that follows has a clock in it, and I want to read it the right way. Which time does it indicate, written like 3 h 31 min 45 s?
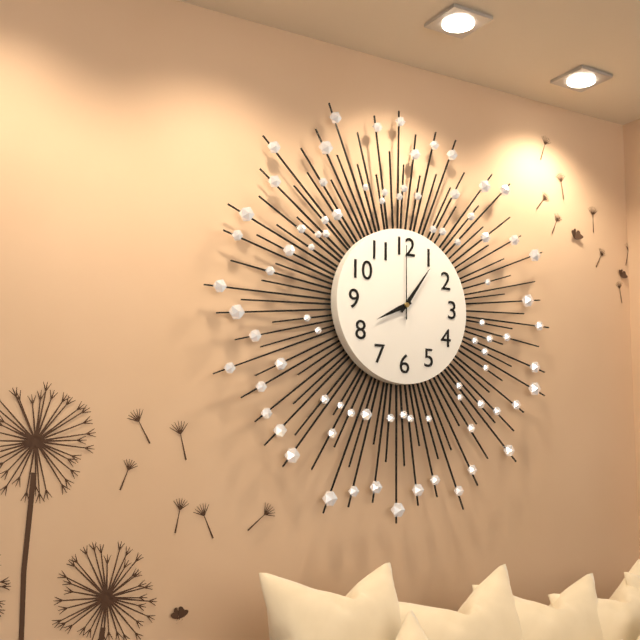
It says 8 h 06 min 00 s
